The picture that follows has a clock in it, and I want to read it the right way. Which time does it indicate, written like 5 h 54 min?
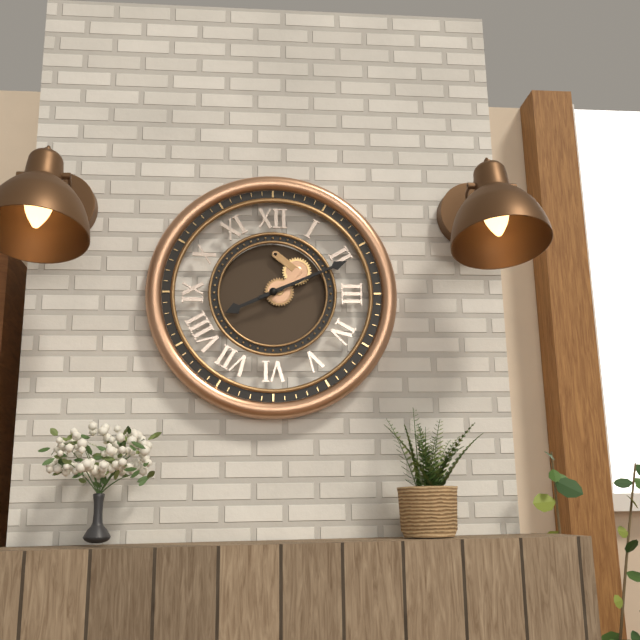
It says 8 h 11 min
